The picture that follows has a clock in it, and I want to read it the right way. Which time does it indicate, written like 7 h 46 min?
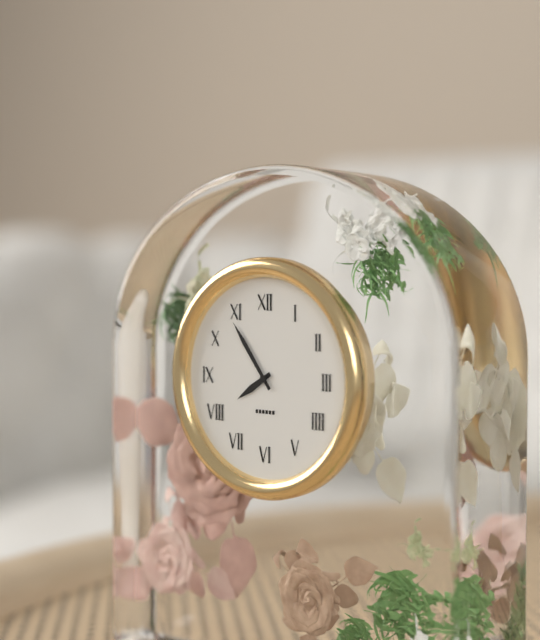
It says 7 h 54 min
